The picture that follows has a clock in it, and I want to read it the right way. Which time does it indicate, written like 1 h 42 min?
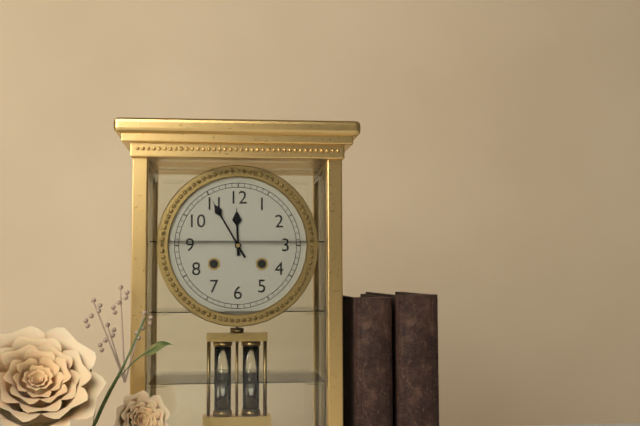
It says 11 h 55 min
